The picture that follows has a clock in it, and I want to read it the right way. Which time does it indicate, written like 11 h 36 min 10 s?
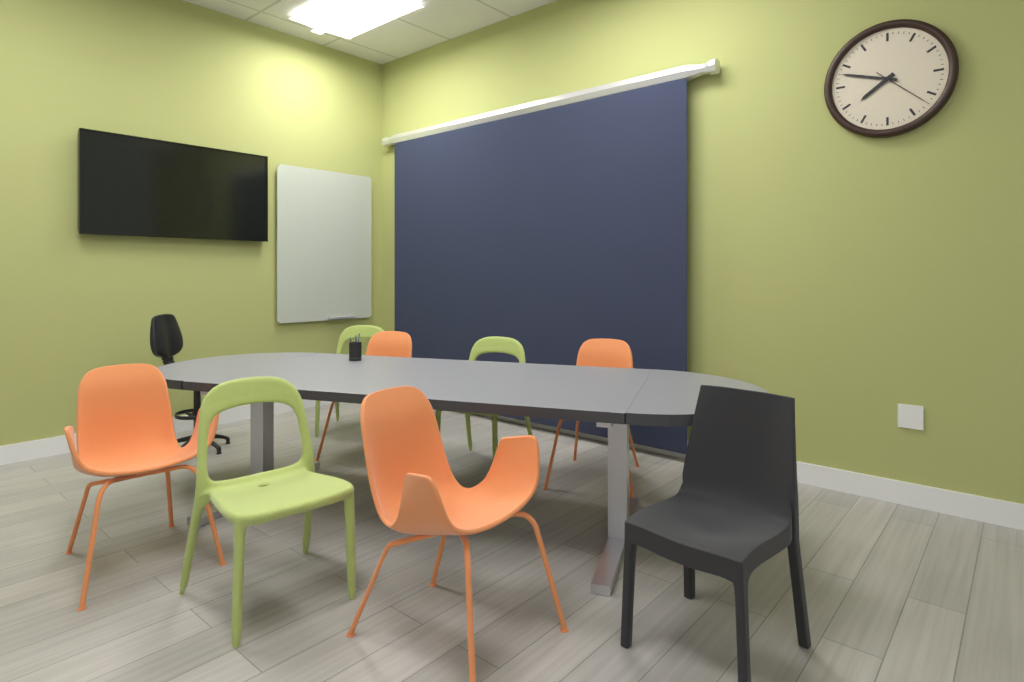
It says 7 h 48 min 22 s
